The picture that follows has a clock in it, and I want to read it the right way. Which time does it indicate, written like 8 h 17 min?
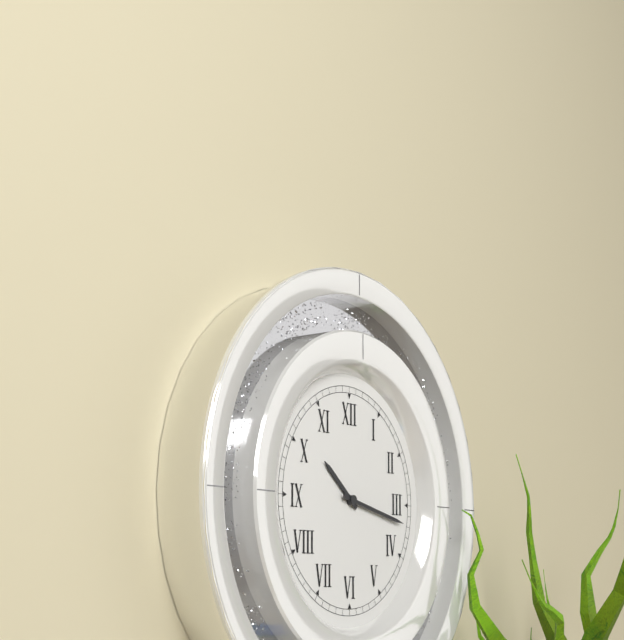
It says 10 h 17 min
